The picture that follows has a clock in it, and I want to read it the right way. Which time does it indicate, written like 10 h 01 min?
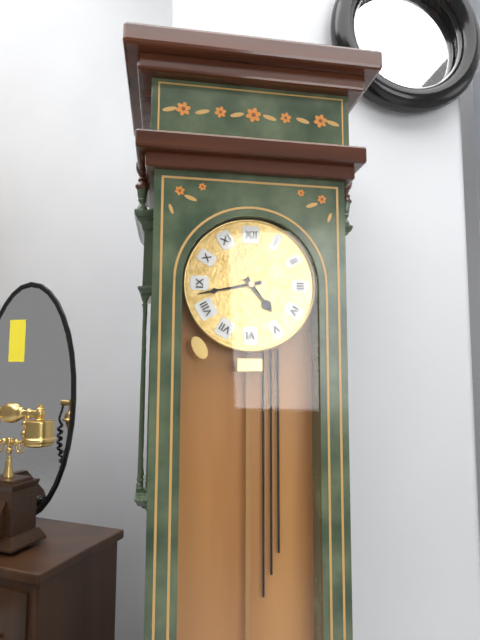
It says 4 h 43 min
